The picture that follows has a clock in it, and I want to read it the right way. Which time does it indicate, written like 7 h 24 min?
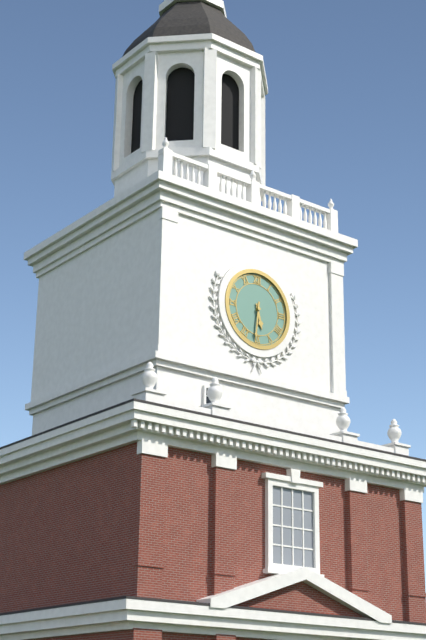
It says 5 h 31 min
